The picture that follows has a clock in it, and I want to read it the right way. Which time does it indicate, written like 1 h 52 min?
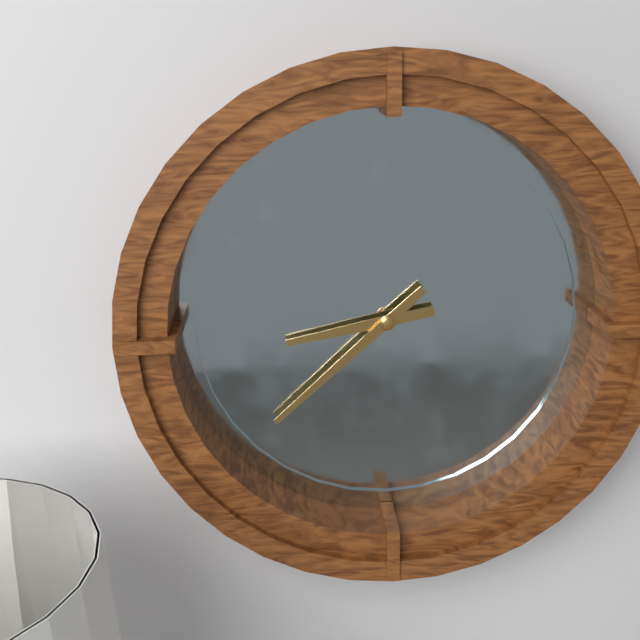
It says 8 h 38 min
